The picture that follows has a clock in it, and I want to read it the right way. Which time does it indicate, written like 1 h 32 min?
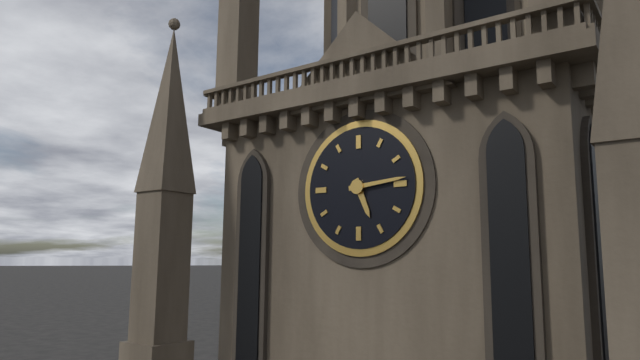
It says 5 h 14 min
